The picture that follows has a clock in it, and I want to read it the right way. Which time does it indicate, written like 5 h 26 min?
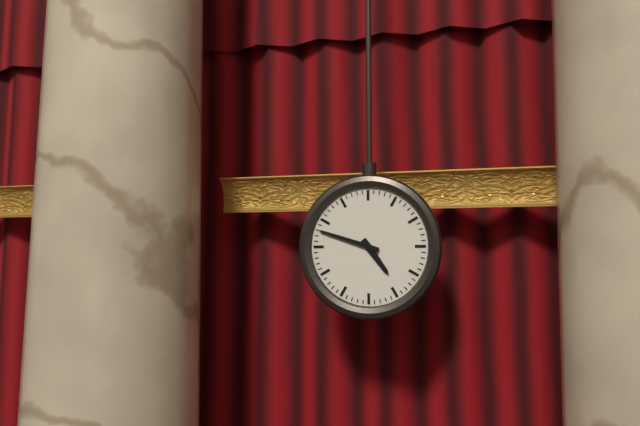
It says 4 h 48 min
